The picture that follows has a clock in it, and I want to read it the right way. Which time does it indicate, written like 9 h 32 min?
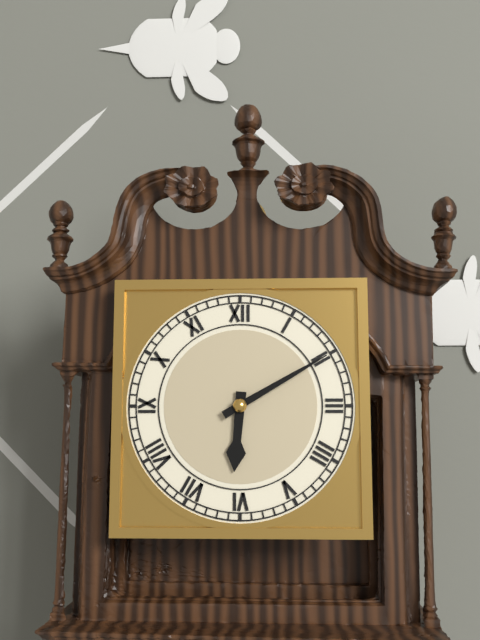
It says 6 h 10 min
